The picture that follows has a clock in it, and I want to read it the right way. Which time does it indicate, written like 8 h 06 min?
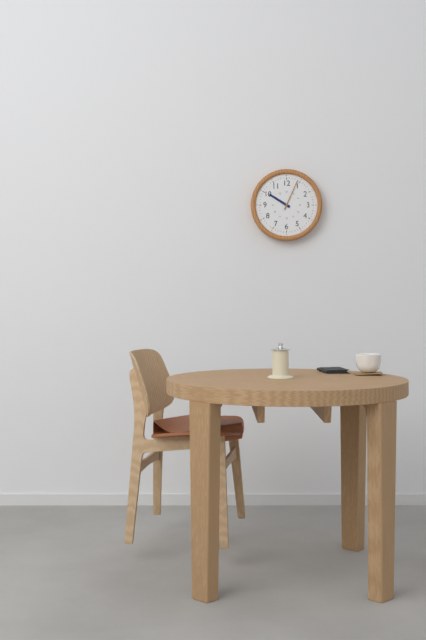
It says 10 h 04 min
